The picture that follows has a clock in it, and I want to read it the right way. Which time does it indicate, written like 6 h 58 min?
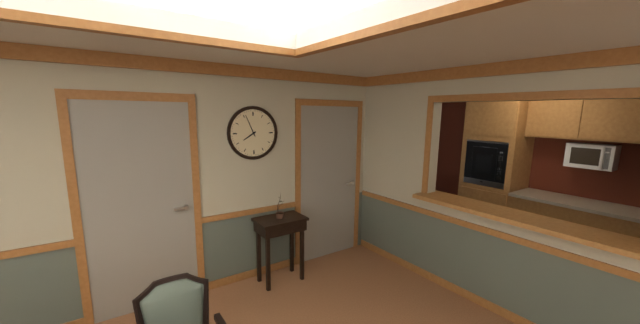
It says 7 h 56 min
